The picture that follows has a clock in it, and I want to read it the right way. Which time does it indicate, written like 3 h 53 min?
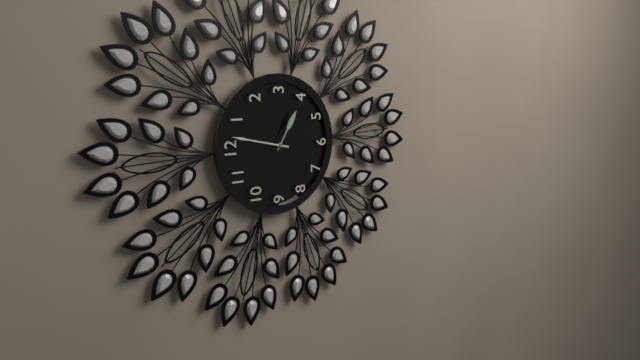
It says 4 h 02 min
